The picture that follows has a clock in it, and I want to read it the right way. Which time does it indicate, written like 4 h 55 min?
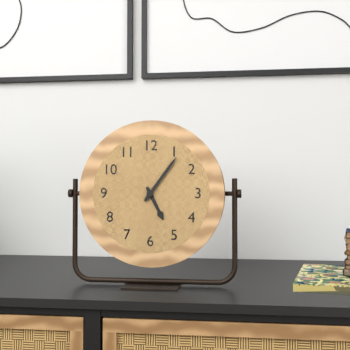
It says 5 h 06 min
